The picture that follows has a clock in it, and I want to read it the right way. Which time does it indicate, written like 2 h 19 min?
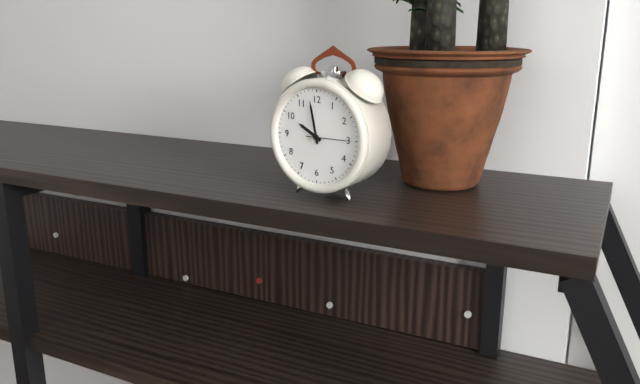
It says 9 h 58 min
